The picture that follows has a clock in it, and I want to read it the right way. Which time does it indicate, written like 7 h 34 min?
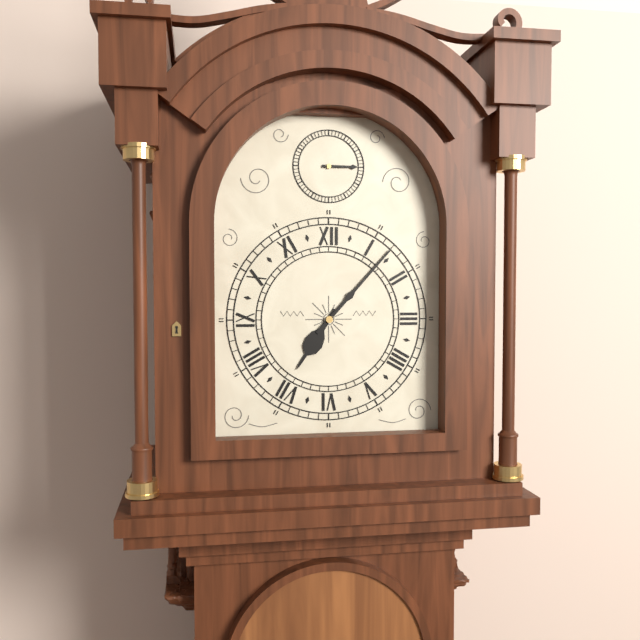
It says 7 h 07 min
